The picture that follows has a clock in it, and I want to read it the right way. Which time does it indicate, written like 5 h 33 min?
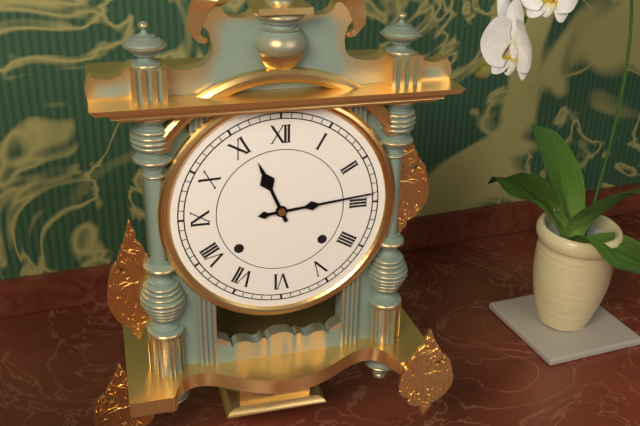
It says 11 h 14 min
